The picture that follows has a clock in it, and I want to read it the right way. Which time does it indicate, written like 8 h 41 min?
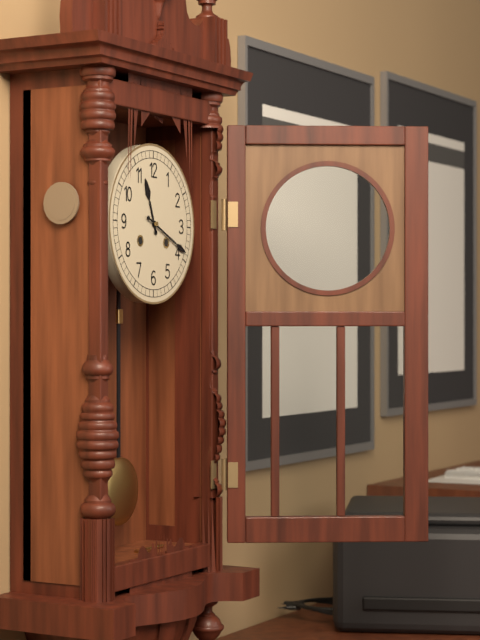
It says 11 h 19 min
